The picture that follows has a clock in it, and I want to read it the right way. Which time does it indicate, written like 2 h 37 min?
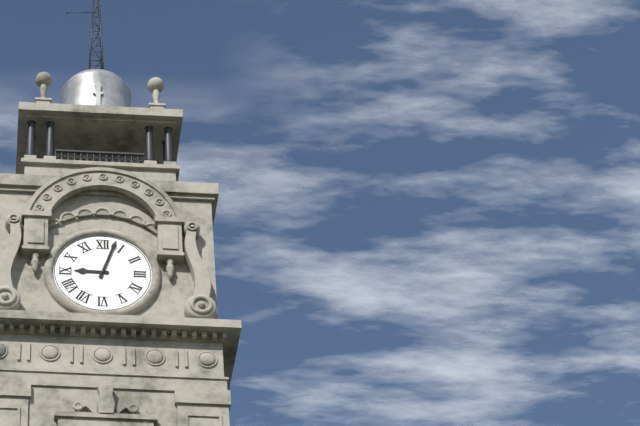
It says 9 h 03 min
